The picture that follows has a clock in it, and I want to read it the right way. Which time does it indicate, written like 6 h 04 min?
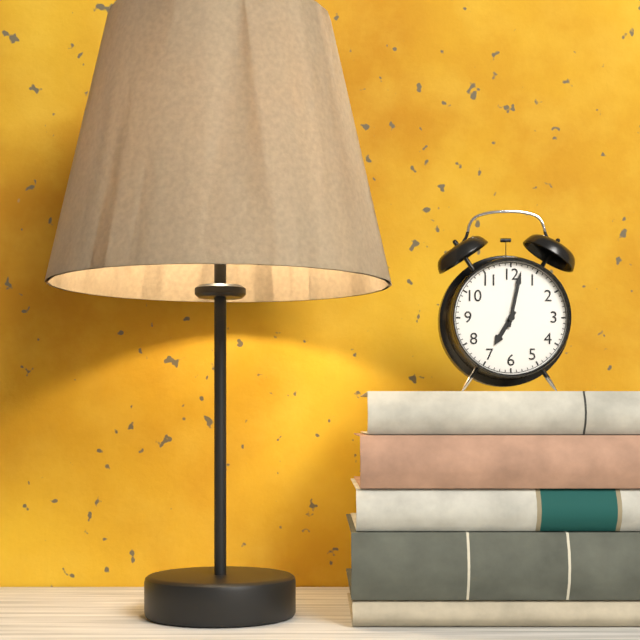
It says 7 h 02 min
